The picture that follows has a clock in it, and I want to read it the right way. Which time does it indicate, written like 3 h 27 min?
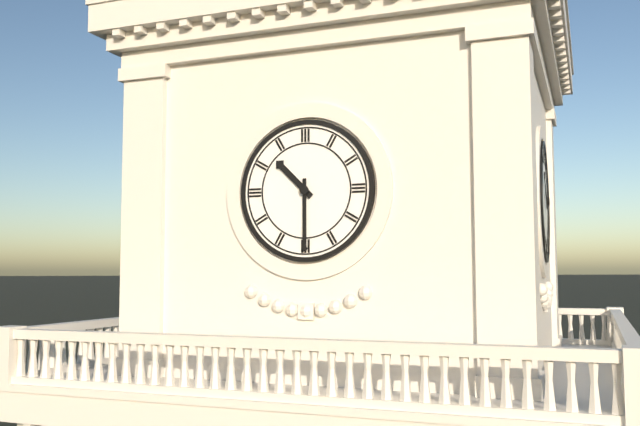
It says 10 h 30 min
